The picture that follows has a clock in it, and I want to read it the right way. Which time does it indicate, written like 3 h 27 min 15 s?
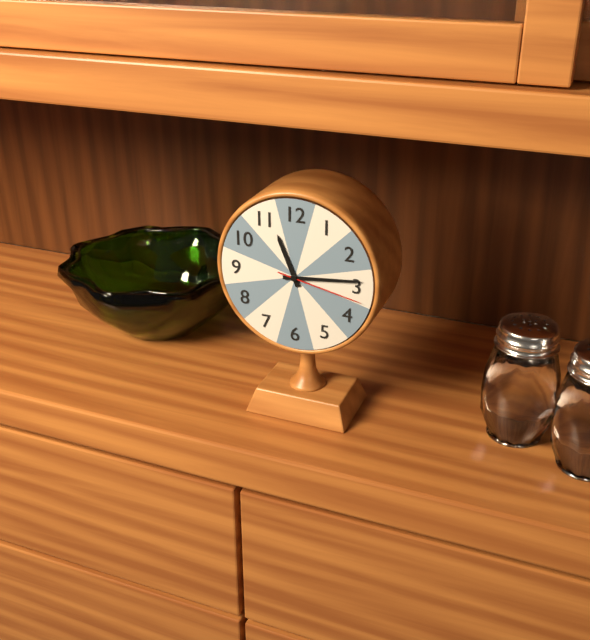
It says 11 h 14 min 17 s
